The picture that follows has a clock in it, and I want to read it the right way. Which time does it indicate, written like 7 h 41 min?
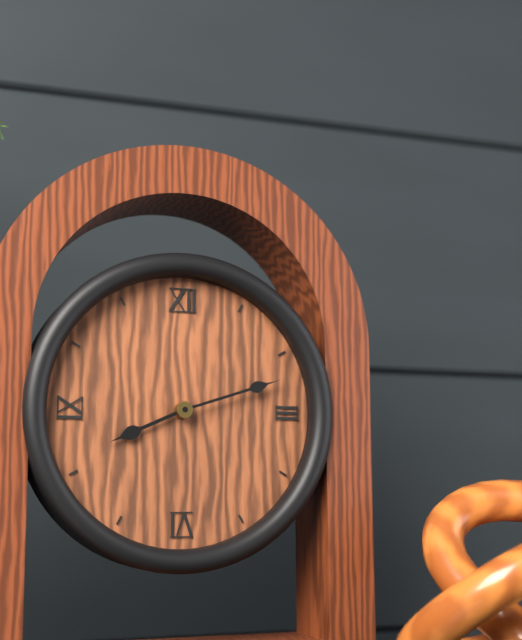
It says 8 h 12 min
